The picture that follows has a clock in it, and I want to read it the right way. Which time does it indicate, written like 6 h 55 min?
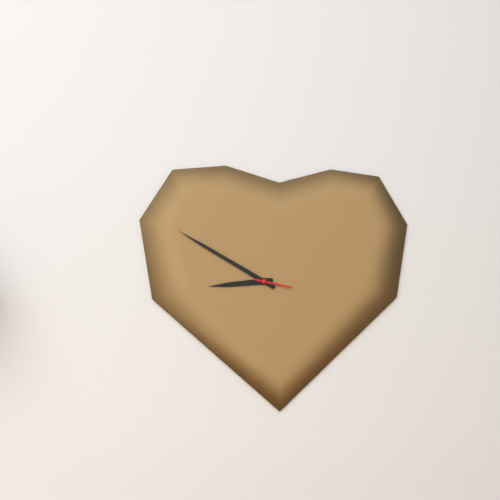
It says 8 h 50 min
